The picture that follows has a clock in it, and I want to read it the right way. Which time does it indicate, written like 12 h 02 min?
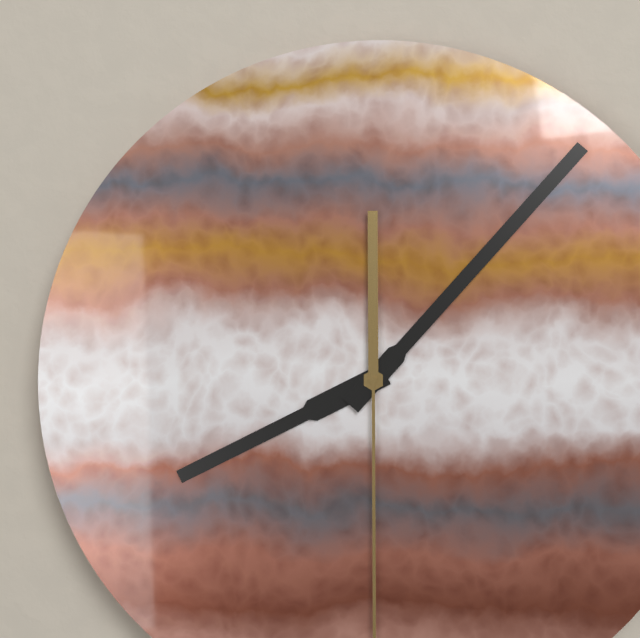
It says 8 h 07 min
